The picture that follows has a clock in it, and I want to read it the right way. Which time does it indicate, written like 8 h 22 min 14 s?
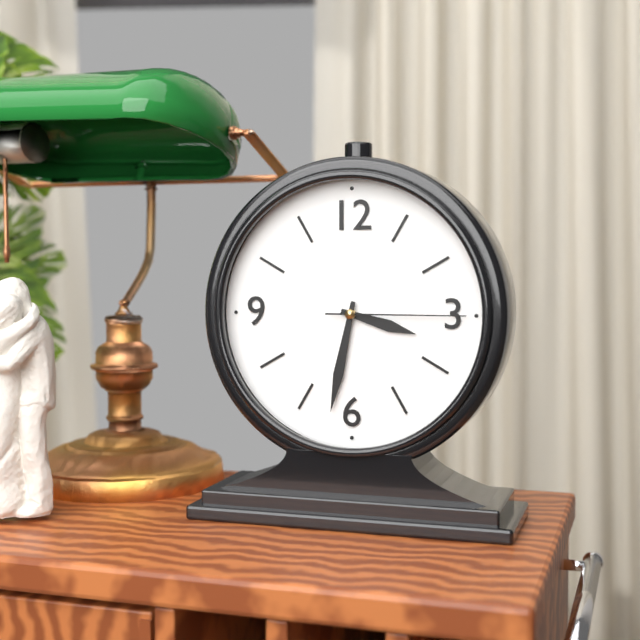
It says 3 h 32 min 15 s
